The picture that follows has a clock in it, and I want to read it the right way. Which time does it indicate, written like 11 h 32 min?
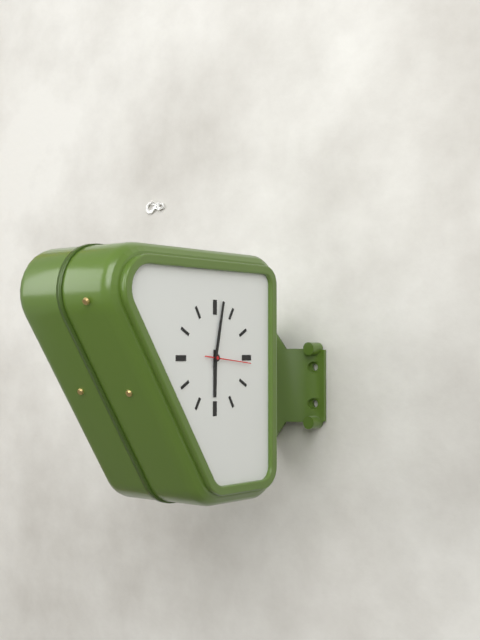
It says 6 h 02 min
